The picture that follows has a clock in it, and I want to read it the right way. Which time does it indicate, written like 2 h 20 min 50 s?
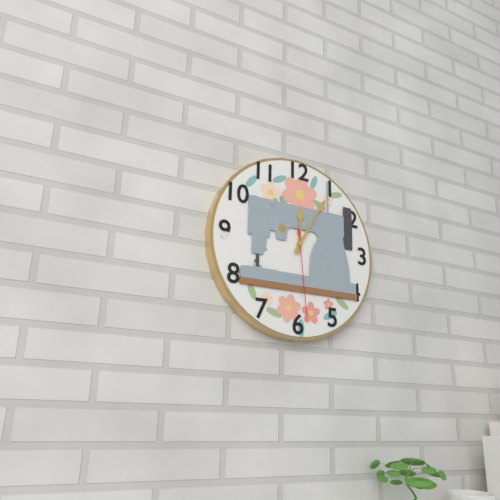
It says 12 h 05 min 29 s
